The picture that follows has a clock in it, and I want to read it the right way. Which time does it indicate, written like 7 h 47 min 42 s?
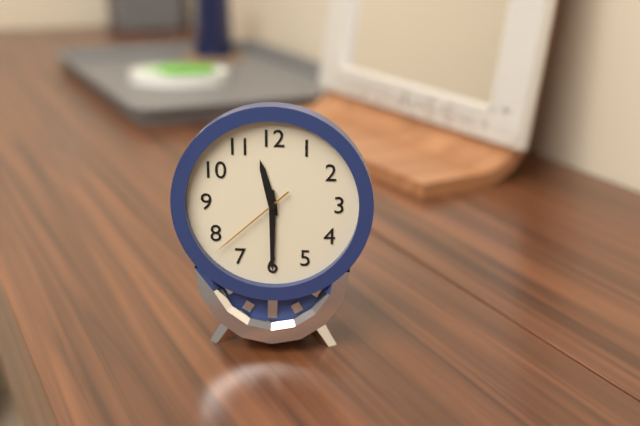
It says 11 h 30 min 38 s
